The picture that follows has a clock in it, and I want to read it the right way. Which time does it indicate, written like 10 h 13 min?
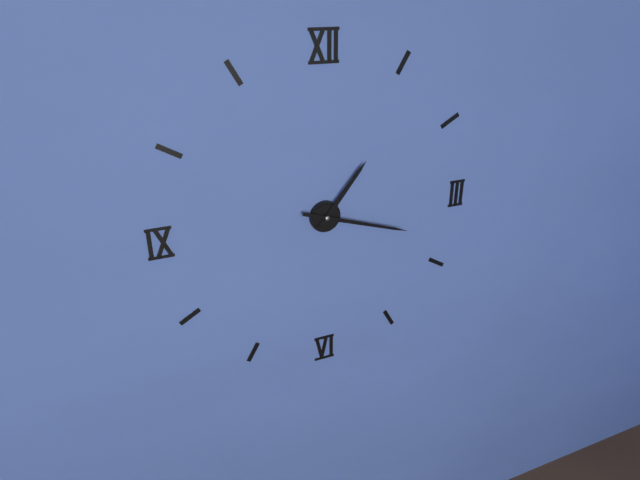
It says 1 h 18 min
